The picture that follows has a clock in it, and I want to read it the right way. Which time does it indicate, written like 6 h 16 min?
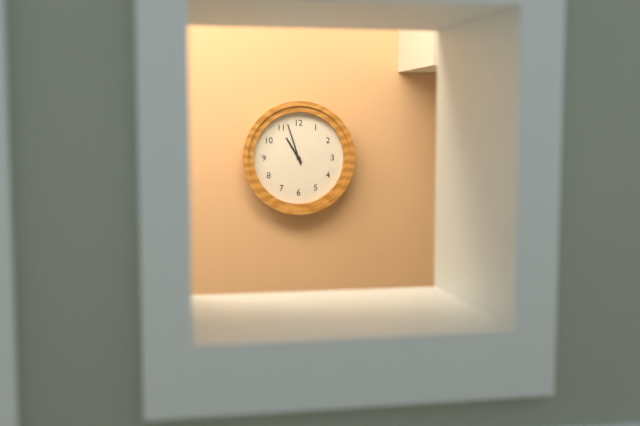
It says 10 h 57 min
